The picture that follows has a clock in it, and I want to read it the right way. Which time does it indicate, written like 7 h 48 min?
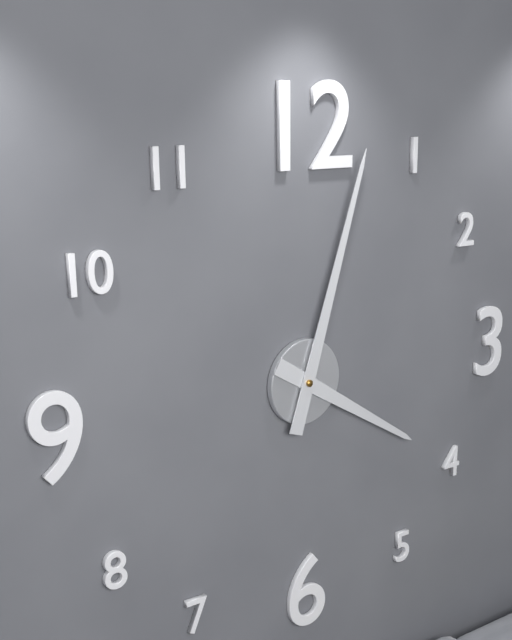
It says 4 h 03 min
